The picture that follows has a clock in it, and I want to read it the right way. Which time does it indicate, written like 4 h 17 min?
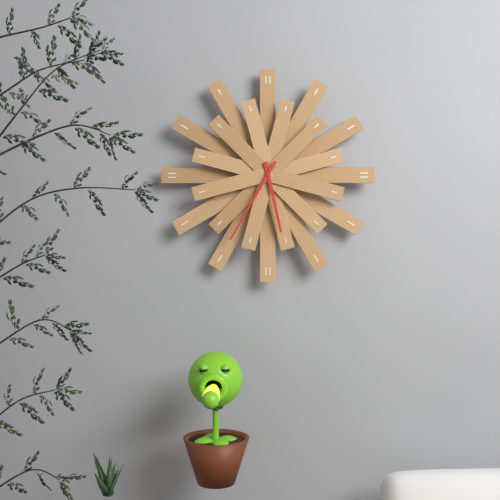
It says 5 h 35 min
